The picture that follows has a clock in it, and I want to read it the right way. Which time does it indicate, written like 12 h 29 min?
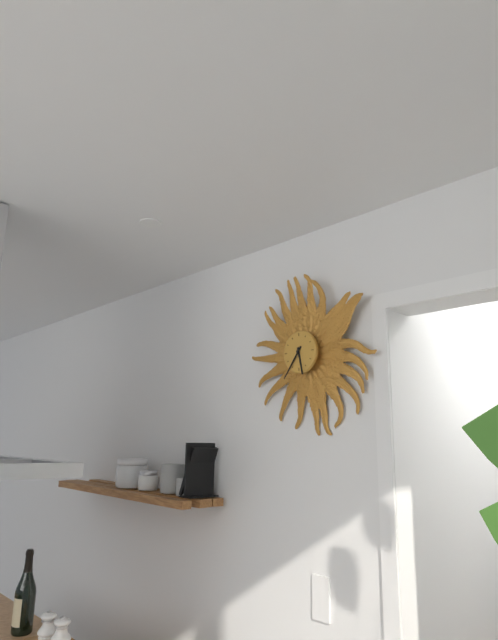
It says 5 h 36 min
